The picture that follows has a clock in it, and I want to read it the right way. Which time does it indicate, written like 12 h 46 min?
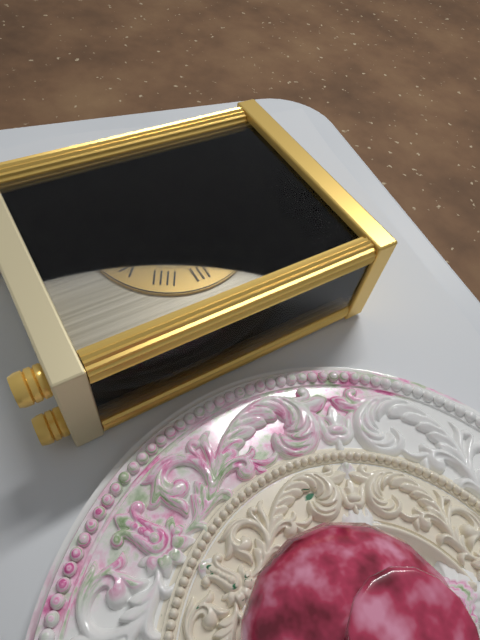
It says 7 h 34 min
